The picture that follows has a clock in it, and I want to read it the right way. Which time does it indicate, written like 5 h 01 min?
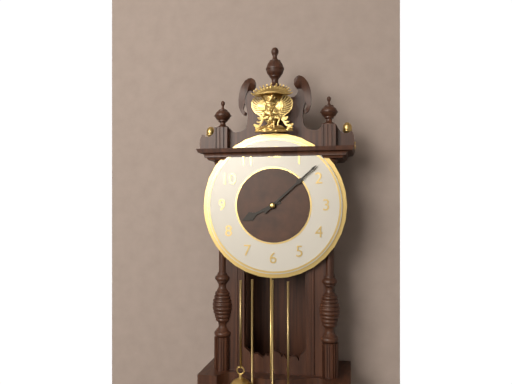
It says 8 h 08 min
